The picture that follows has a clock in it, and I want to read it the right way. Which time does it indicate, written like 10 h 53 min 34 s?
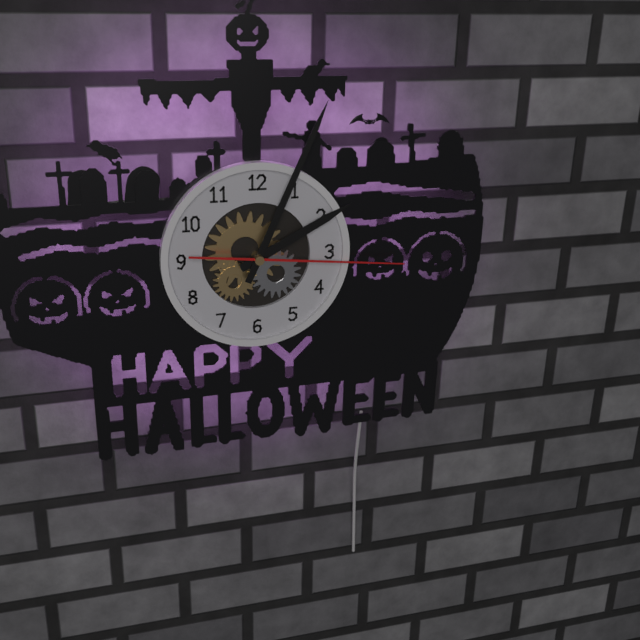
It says 2 h 04 min 16 s
